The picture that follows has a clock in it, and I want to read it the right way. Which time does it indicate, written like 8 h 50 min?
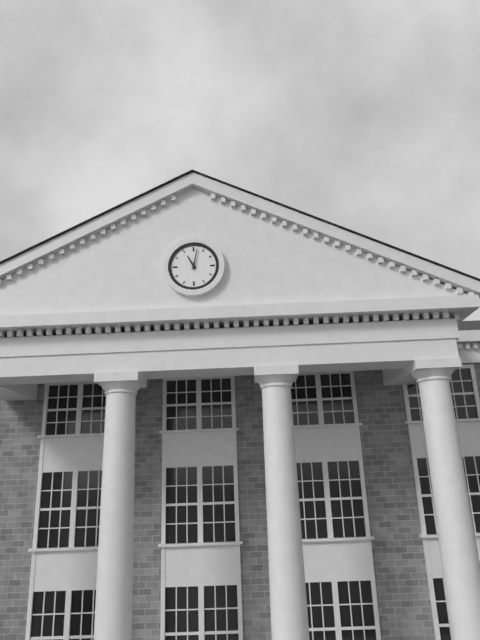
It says 11 h 02 min
